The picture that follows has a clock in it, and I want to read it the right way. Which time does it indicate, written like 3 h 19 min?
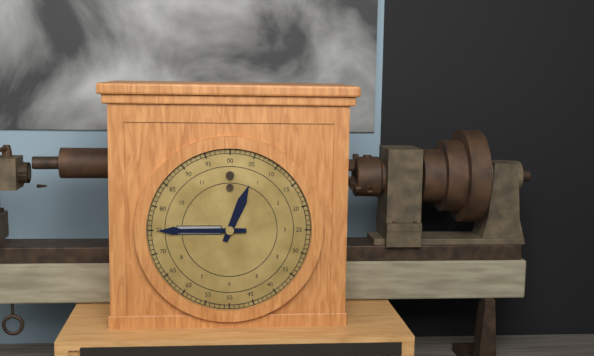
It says 12 h 45 min
